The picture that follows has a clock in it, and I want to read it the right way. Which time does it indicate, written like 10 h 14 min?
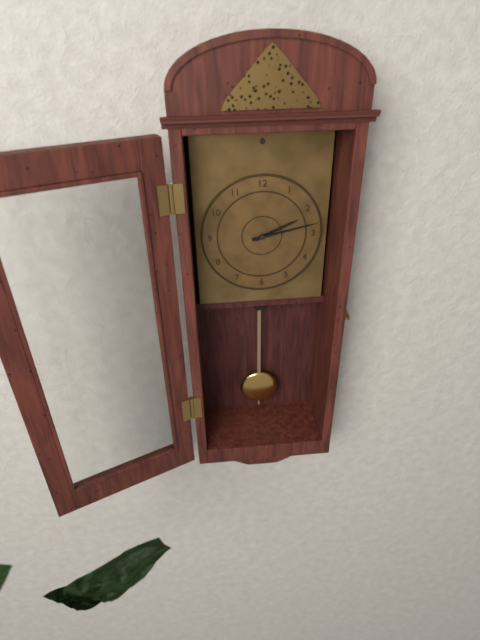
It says 2 h 13 min
